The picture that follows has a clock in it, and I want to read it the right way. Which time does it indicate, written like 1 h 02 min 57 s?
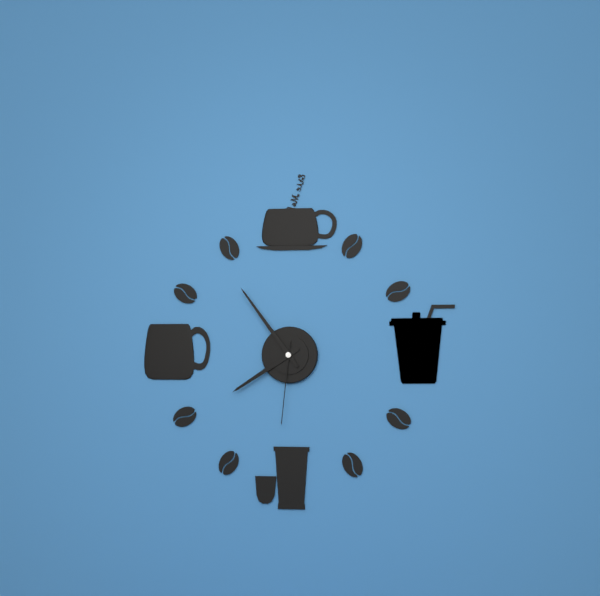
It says 7 h 54 min 31 s
